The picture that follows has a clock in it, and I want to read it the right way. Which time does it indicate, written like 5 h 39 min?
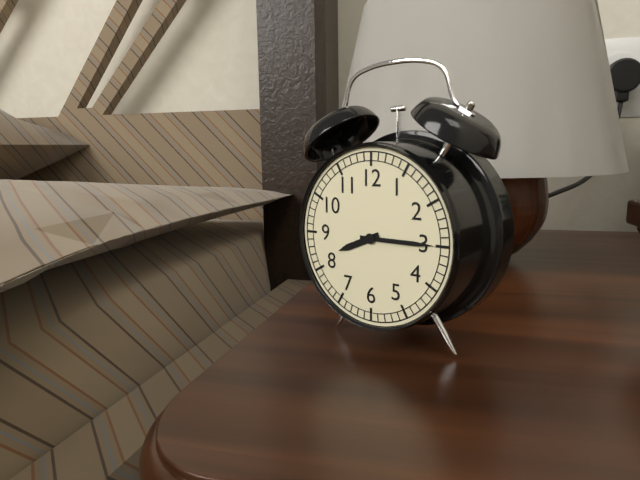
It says 8 h 15 min
